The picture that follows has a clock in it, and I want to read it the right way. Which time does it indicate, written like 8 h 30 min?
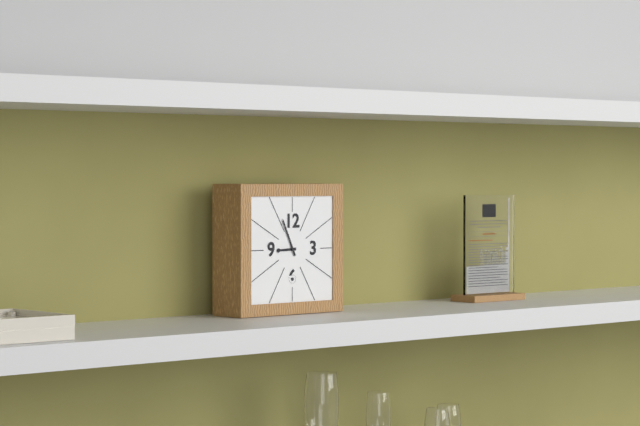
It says 8 h 56 min
